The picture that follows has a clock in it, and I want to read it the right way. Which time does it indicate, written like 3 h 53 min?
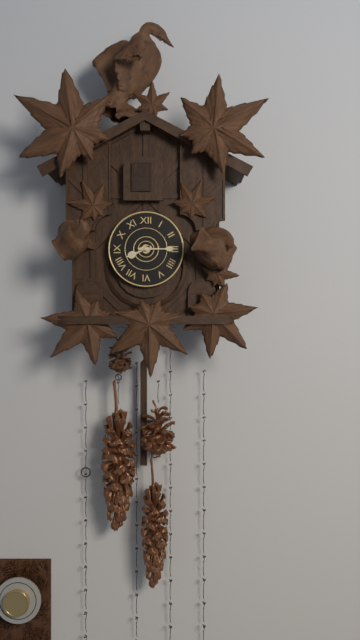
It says 8 h 15 min
